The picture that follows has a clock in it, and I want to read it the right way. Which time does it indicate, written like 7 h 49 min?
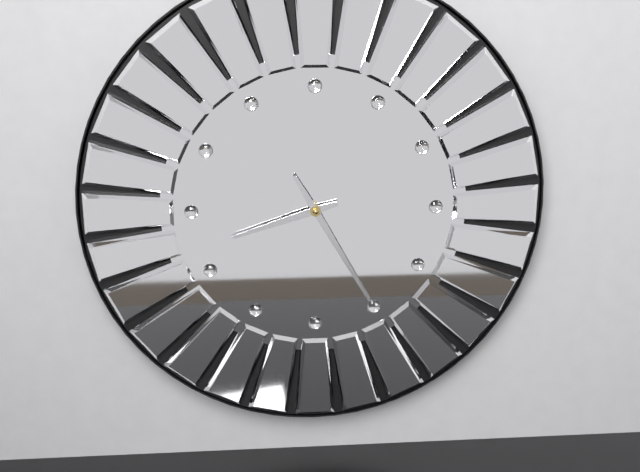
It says 8 h 25 min
